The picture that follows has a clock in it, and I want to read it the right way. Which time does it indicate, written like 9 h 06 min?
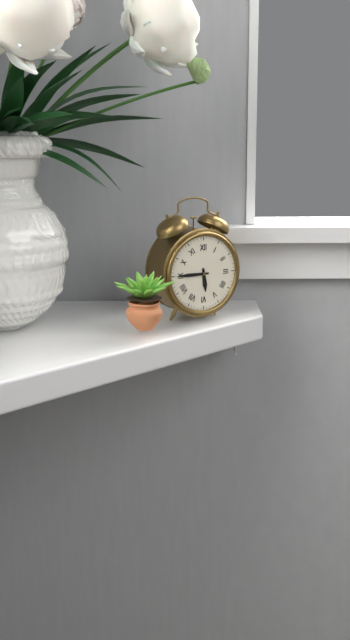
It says 5 h 45 min
